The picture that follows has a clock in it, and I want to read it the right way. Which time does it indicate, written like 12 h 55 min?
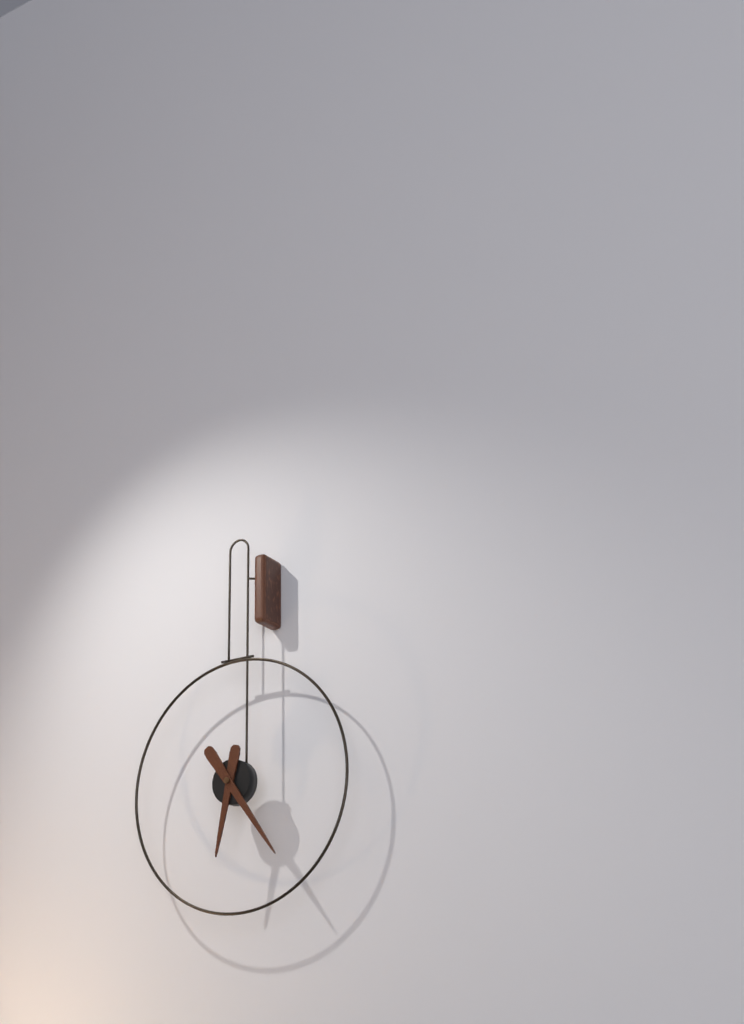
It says 6 h 24 min
